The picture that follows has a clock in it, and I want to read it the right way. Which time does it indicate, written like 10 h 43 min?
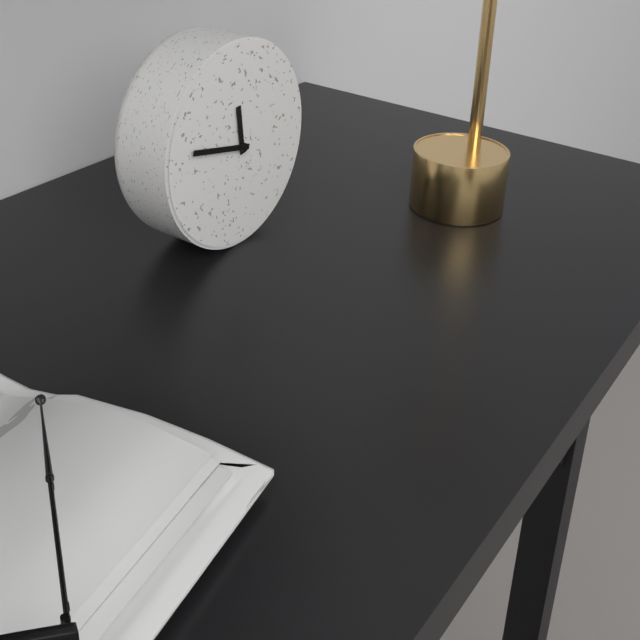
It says 11 h 47 min
